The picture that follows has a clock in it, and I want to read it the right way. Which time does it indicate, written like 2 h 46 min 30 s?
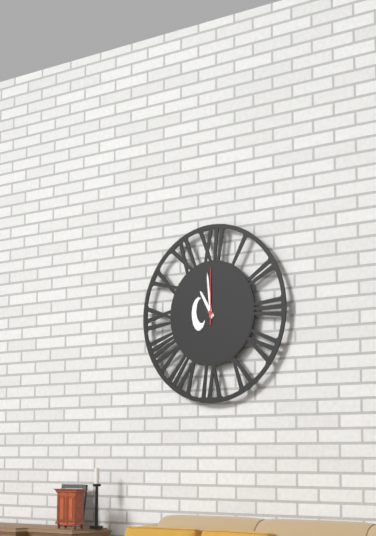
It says 10 h 59 min 00 s
